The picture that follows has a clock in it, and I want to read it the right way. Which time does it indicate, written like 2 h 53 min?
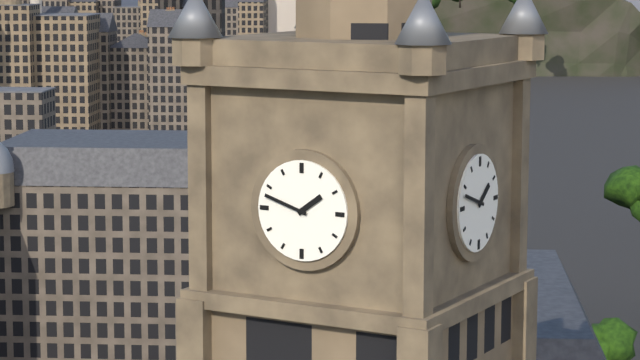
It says 1 h 48 min
